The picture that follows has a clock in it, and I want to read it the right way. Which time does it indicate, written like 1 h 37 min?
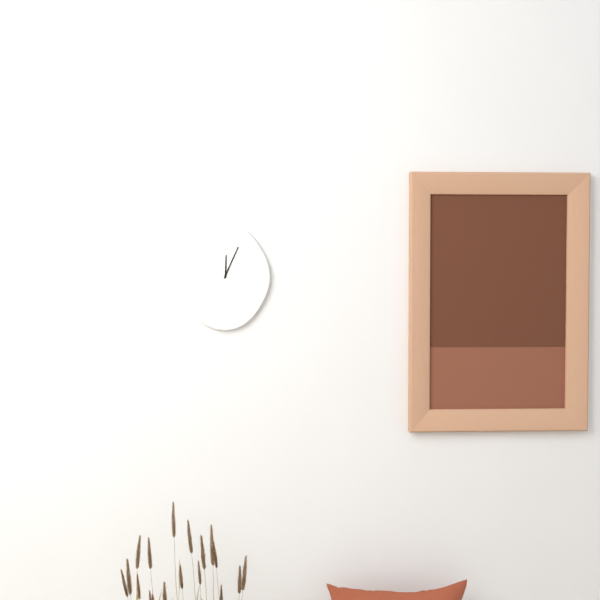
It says 12 h 04 min
